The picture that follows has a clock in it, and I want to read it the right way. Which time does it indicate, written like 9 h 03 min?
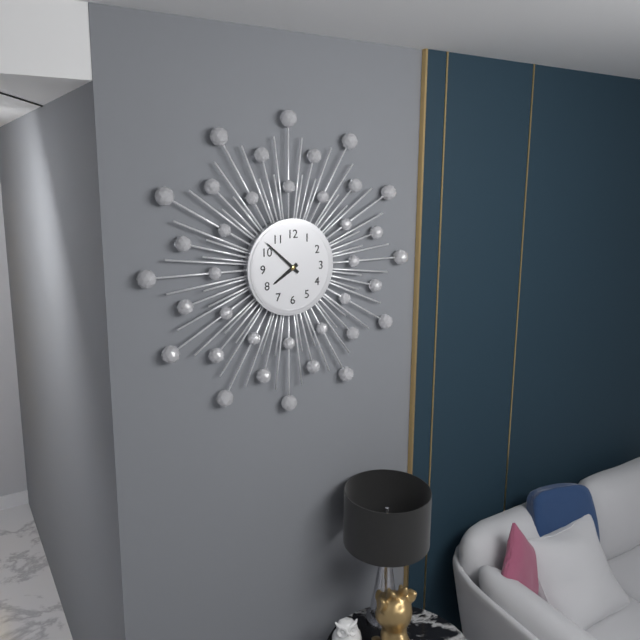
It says 7 h 52 min
